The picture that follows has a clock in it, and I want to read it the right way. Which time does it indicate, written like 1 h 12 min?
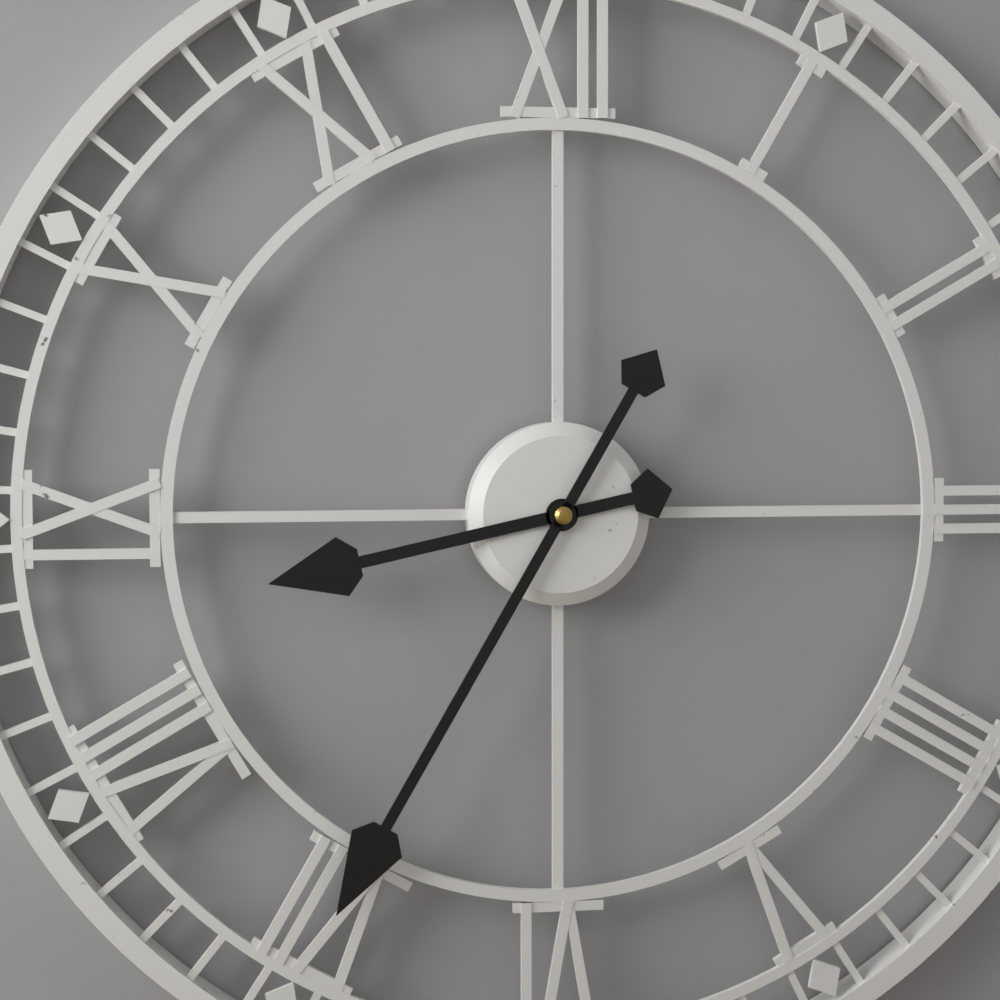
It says 8 h 35 min
